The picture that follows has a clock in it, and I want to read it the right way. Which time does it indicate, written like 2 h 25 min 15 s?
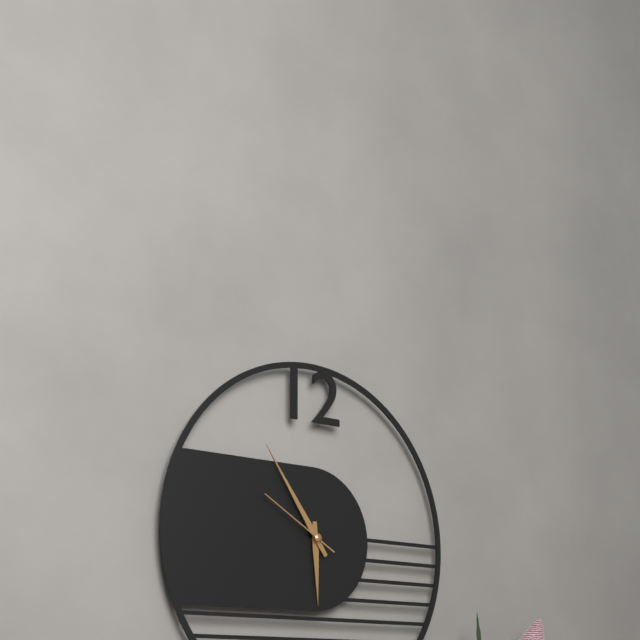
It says 5 h 54 min 50 s
